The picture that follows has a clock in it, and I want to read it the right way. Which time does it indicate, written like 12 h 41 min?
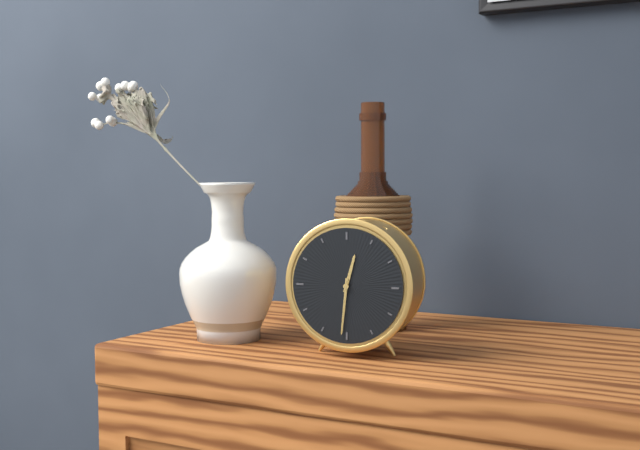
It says 12 h 31 min
